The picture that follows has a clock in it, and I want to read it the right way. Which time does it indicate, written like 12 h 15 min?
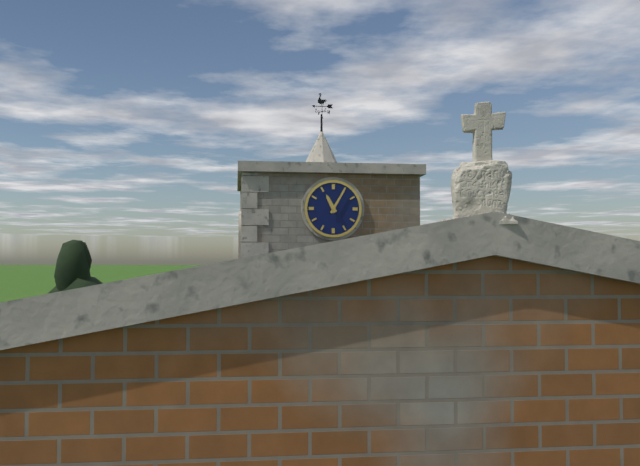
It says 11 h 05 min
